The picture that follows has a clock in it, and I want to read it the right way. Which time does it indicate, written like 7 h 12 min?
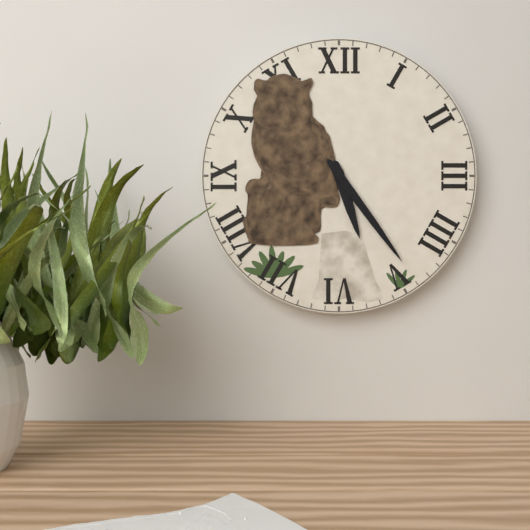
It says 5 h 24 min
